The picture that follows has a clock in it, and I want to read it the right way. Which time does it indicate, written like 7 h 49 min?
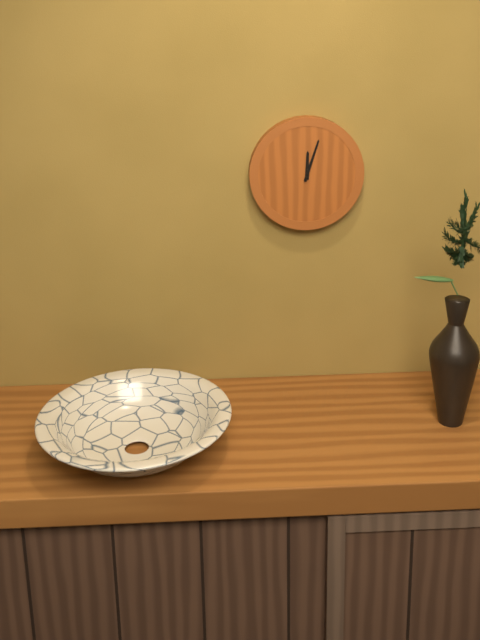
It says 12 h 03 min
